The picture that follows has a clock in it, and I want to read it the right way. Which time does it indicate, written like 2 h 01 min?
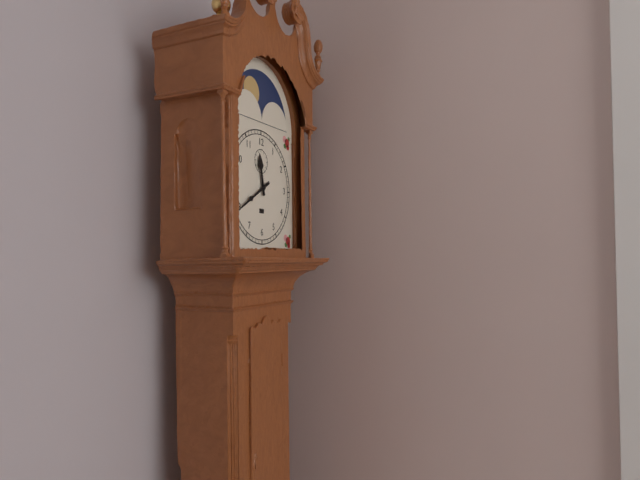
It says 11 h 40 min
